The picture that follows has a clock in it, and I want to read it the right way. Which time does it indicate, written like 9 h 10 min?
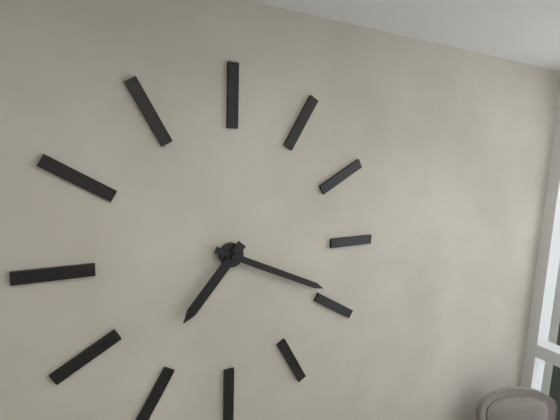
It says 7 h 19 min
